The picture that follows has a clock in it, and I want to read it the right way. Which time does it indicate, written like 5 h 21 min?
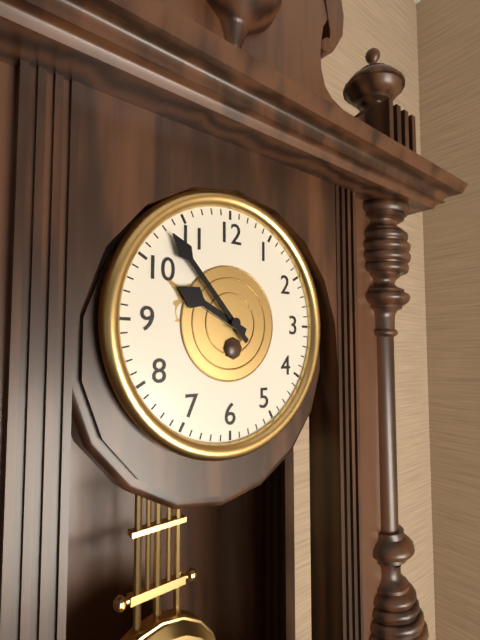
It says 9 h 53 min
